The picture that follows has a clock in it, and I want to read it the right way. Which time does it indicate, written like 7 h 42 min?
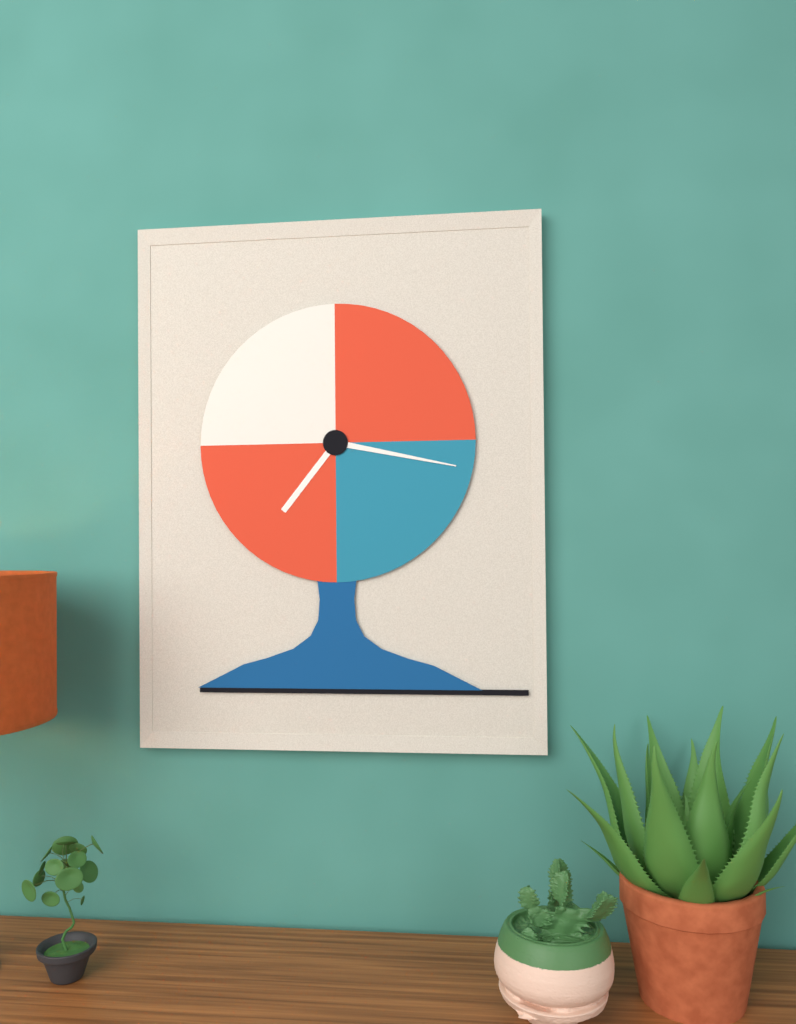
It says 7 h 17 min
